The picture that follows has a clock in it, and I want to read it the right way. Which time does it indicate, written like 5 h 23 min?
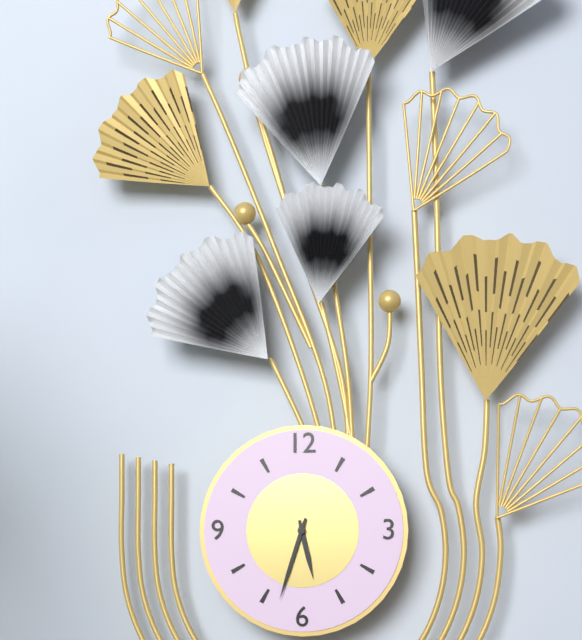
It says 5 h 33 min
